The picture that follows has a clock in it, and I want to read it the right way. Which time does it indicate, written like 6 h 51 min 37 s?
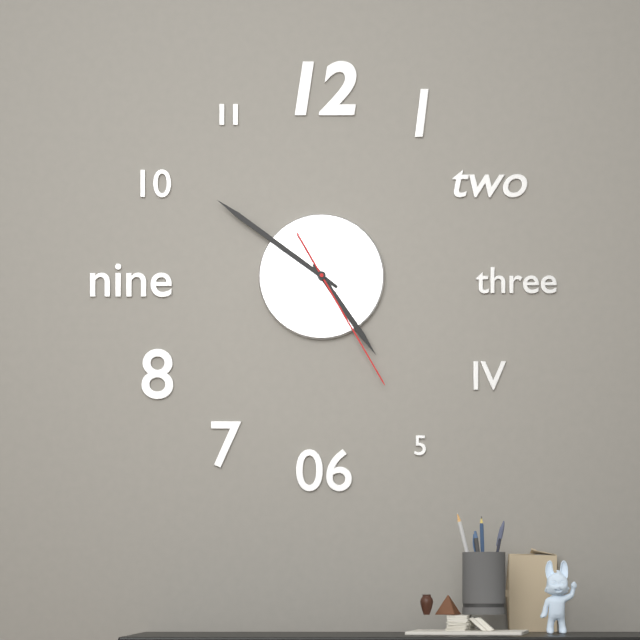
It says 4 h 51 min 25 s
